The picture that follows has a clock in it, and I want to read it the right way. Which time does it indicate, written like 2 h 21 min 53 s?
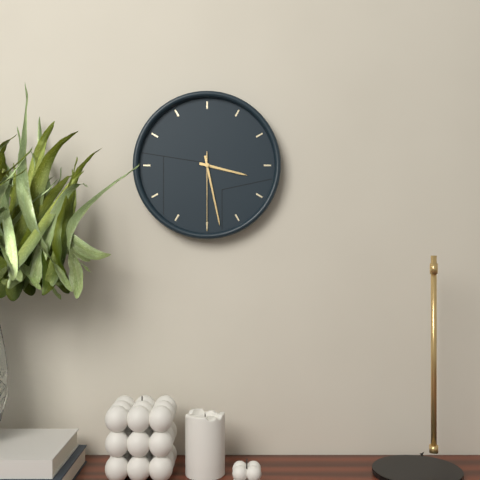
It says 3 h 28 min 30 s
